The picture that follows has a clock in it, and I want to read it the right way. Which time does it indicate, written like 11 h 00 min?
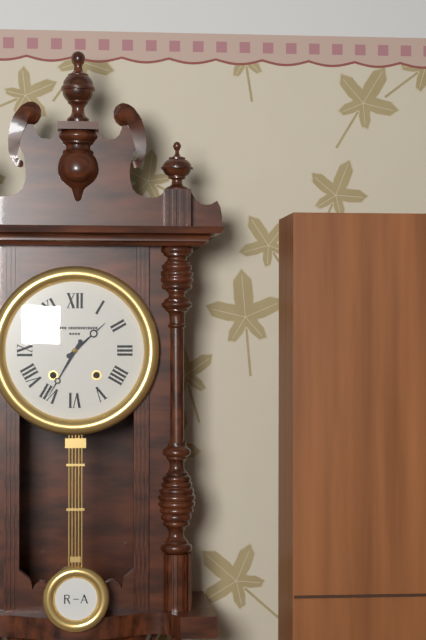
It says 1 h 35 min
